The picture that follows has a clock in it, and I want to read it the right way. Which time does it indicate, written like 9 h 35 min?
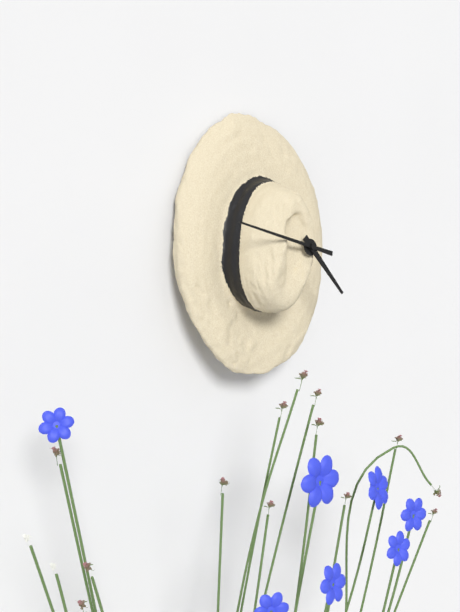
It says 4 h 48 min
